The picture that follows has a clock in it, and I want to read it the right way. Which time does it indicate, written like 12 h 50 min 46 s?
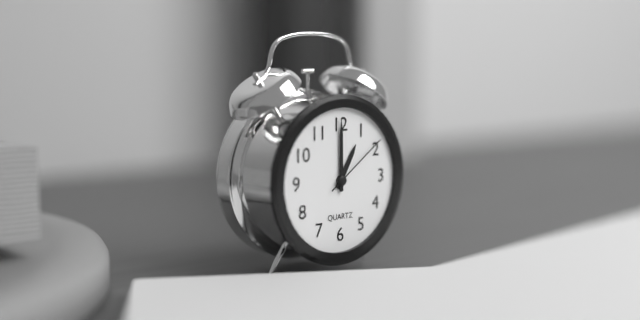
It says 1 h 00 min 09 s
